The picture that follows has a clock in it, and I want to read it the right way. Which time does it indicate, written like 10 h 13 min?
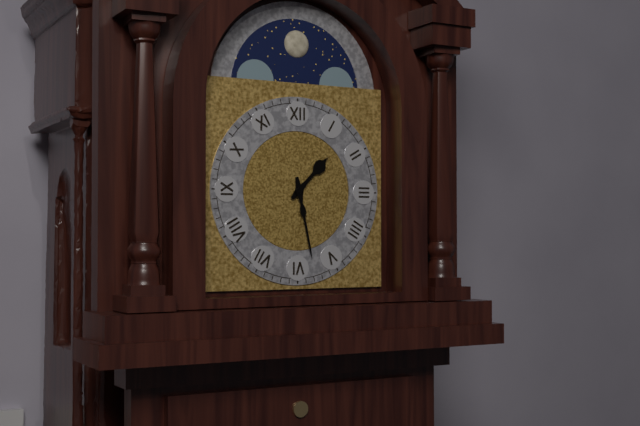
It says 1 h 28 min
